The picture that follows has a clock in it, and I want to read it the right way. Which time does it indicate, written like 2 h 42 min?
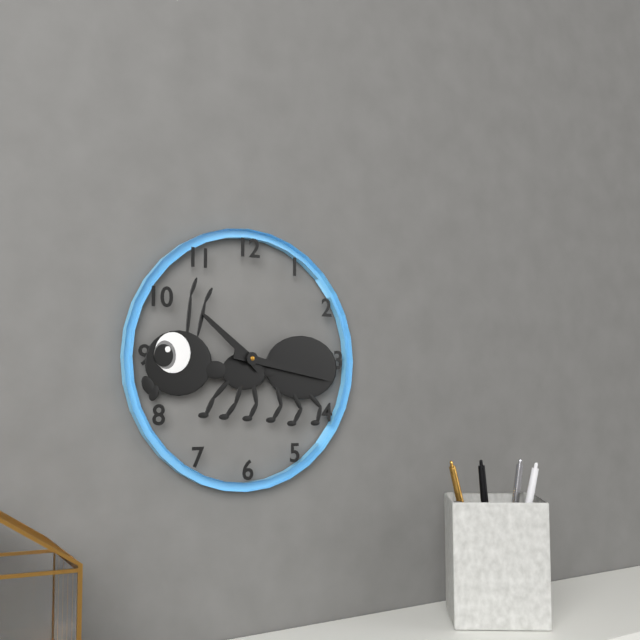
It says 10 h 17 min
